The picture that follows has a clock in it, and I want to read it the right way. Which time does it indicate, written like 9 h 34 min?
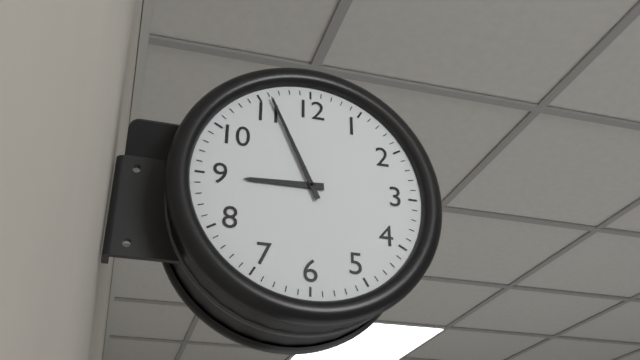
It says 8 h 56 min
